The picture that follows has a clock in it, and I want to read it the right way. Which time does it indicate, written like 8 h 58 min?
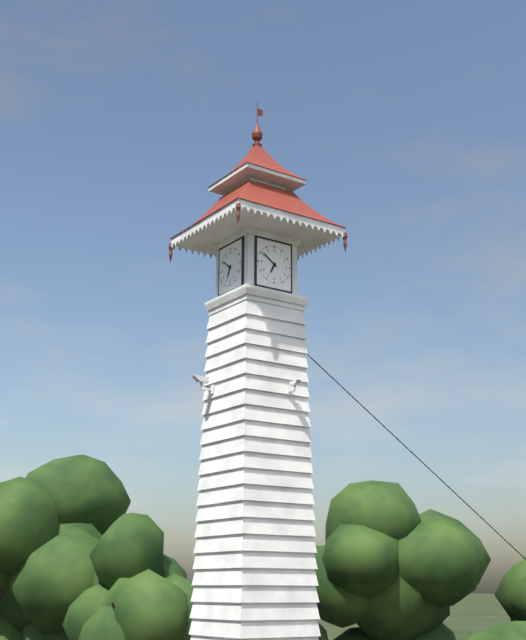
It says 6 h 51 min
